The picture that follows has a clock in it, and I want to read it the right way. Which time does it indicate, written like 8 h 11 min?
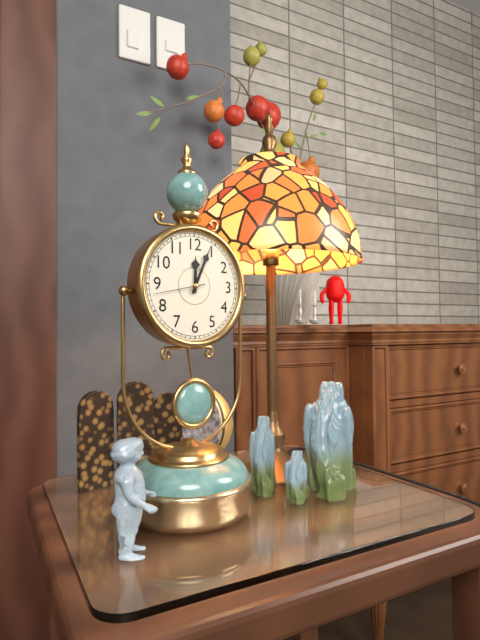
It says 12 h 04 min
